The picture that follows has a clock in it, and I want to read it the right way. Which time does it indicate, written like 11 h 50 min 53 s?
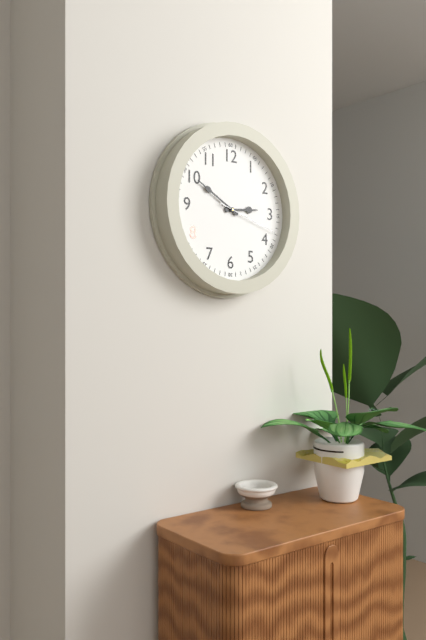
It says 2 h 50 min 18 s
